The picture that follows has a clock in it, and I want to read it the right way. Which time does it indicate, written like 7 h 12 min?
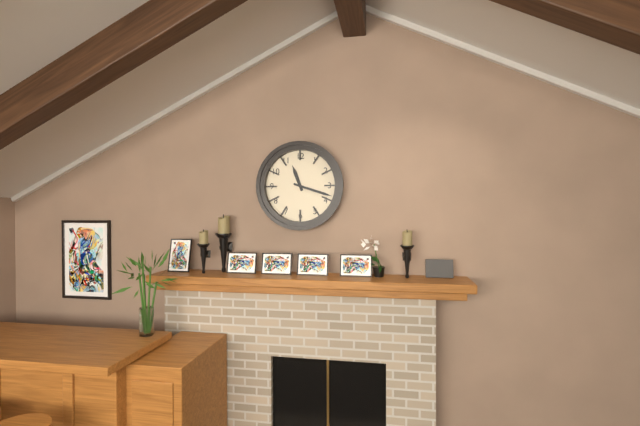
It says 11 h 18 min
